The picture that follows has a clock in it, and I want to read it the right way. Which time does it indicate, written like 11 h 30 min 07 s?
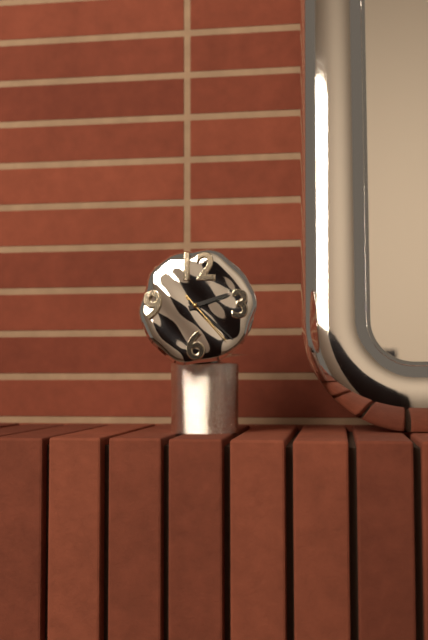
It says 2 h 22 min 23 s
